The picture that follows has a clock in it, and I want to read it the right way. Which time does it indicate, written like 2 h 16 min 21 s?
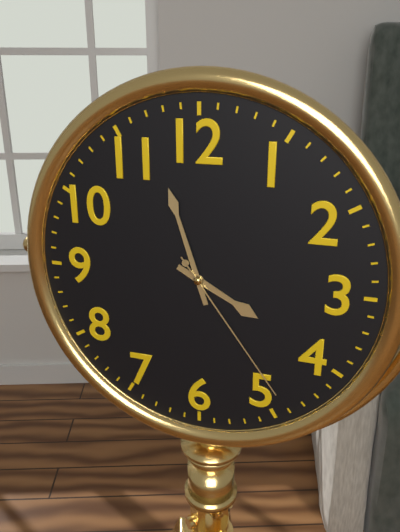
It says 3 h 57 min 24 s
